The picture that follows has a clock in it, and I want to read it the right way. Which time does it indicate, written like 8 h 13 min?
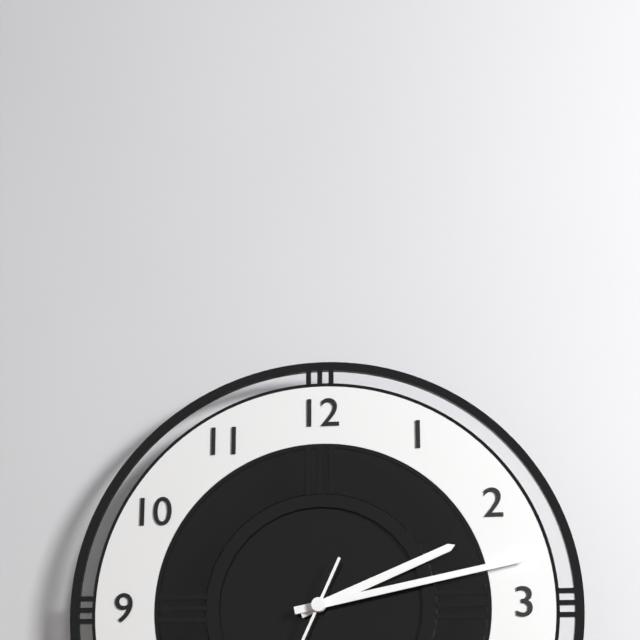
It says 2 h 13 min
